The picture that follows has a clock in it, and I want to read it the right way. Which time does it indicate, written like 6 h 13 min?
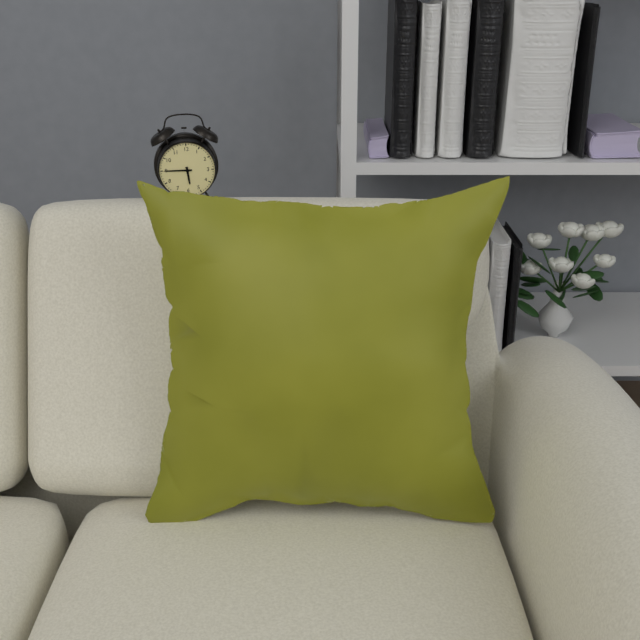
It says 5 h 45 min
